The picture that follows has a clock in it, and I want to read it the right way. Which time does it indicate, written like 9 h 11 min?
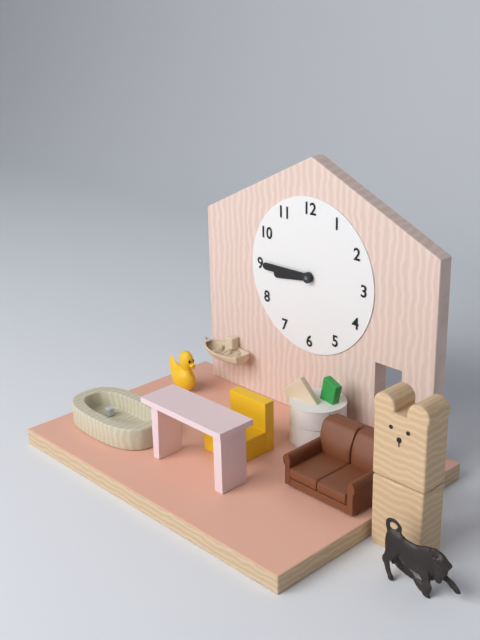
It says 8 h 45 min
